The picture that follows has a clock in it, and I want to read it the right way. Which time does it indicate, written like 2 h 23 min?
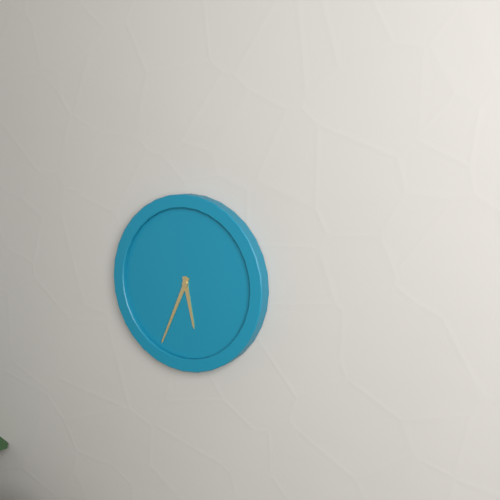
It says 5 h 34 min
